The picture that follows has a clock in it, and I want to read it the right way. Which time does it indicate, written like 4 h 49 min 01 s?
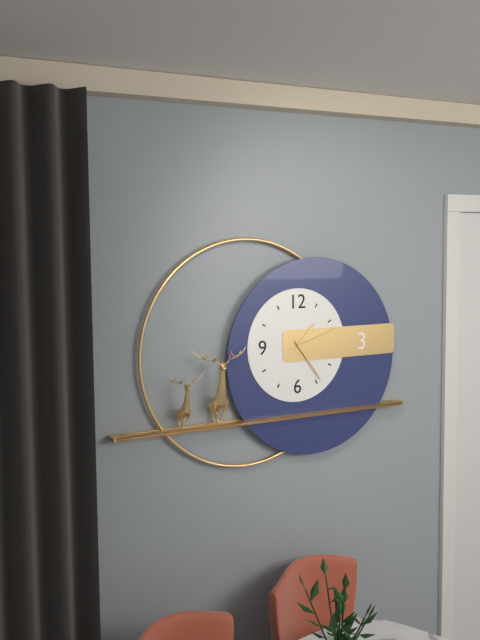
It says 1 h 24 min 12 s
